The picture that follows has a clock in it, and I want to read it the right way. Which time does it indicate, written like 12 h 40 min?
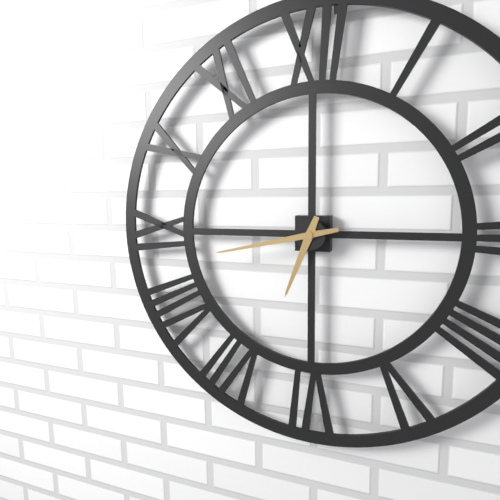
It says 6 h 43 min
